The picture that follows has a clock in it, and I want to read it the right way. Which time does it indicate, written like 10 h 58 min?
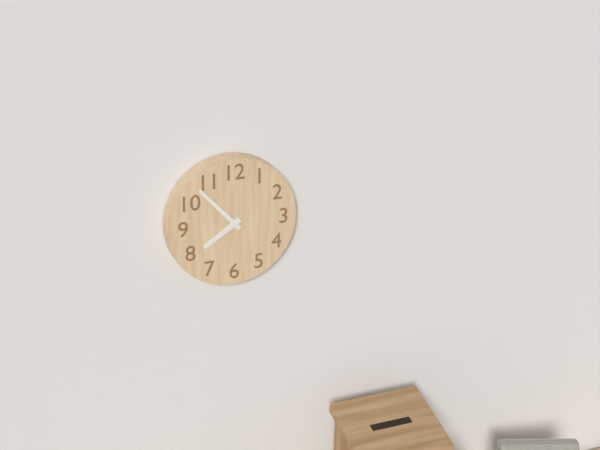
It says 7 h 53 min
